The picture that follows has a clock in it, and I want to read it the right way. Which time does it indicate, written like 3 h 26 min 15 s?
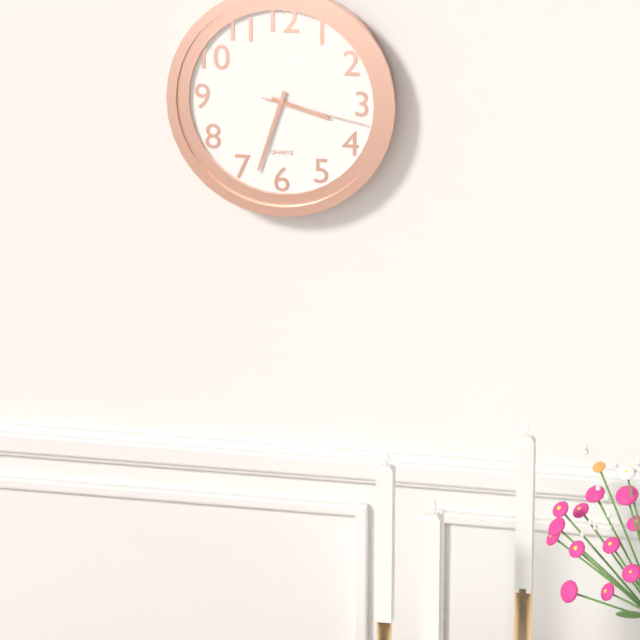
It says 3 h 33 min 17 s
